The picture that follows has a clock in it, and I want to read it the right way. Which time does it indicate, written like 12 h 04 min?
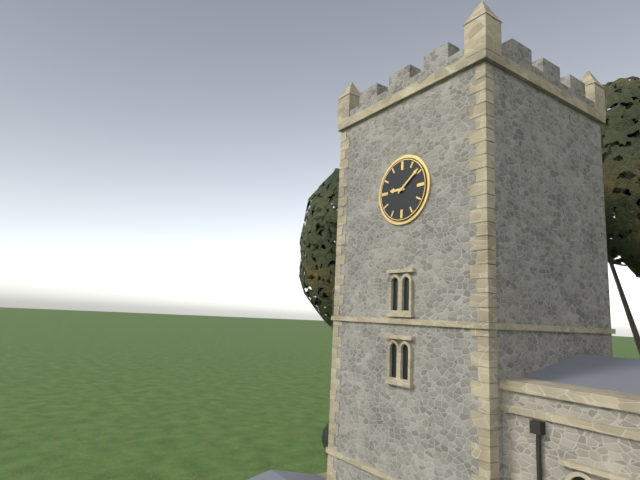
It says 9 h 09 min
